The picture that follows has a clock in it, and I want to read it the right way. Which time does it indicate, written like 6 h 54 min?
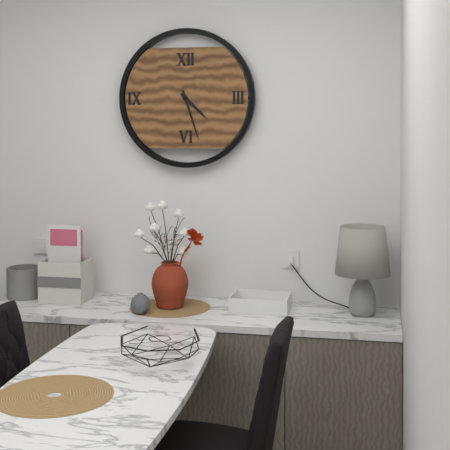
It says 4 h 27 min
